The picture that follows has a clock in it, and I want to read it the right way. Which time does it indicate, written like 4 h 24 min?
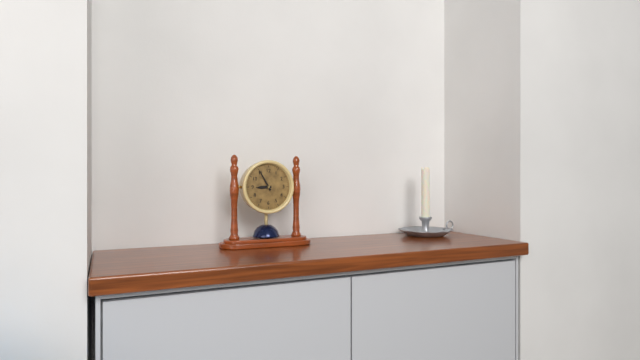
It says 8 h 55 min
